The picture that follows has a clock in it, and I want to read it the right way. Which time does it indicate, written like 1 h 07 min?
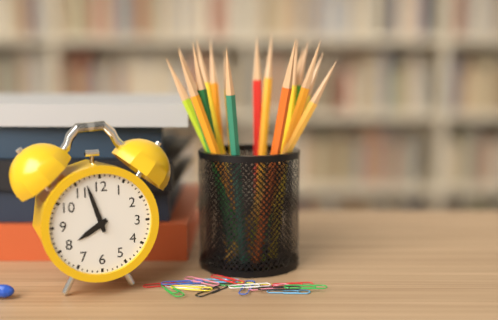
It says 7 h 57 min
